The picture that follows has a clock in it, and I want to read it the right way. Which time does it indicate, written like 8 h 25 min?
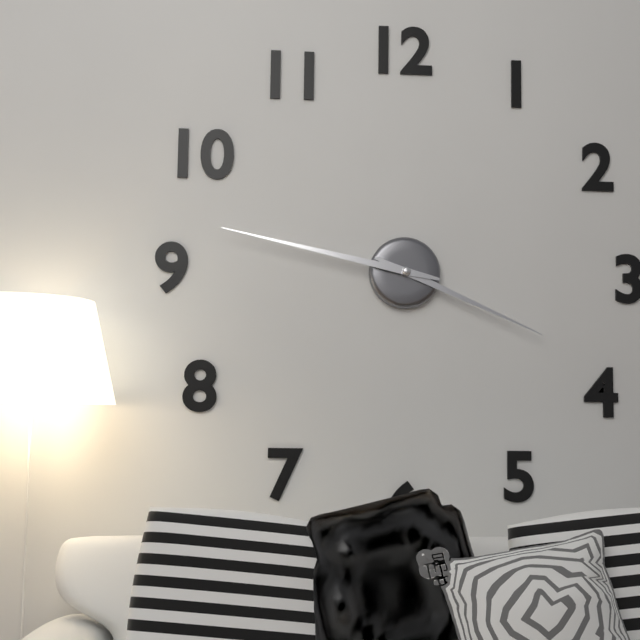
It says 3 h 47 min
